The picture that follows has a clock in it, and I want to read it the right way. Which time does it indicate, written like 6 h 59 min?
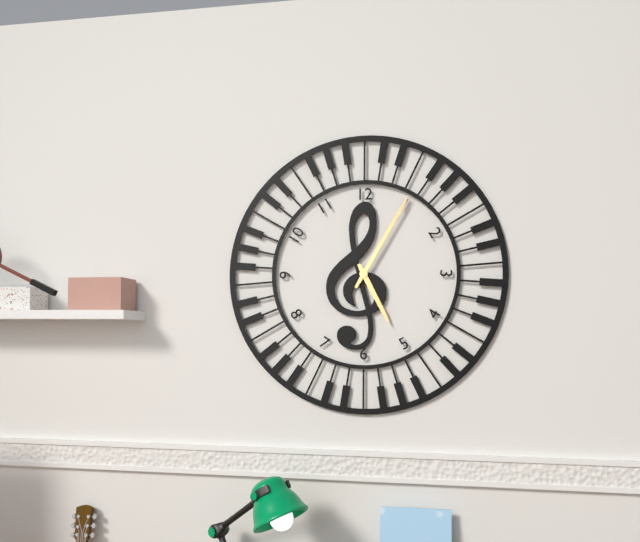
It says 5 h 05 min
